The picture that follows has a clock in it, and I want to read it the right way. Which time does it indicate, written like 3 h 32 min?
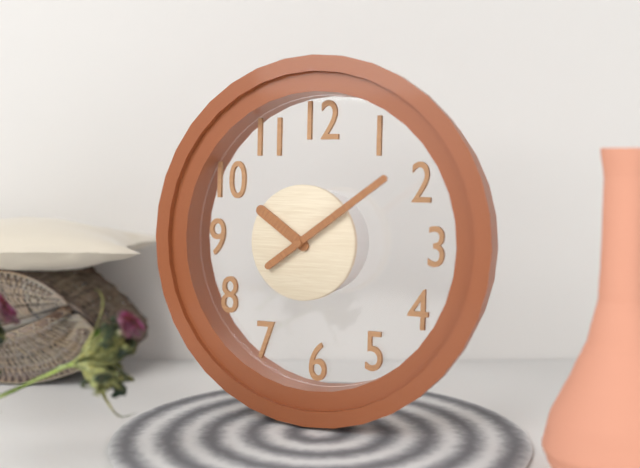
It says 10 h 09 min
